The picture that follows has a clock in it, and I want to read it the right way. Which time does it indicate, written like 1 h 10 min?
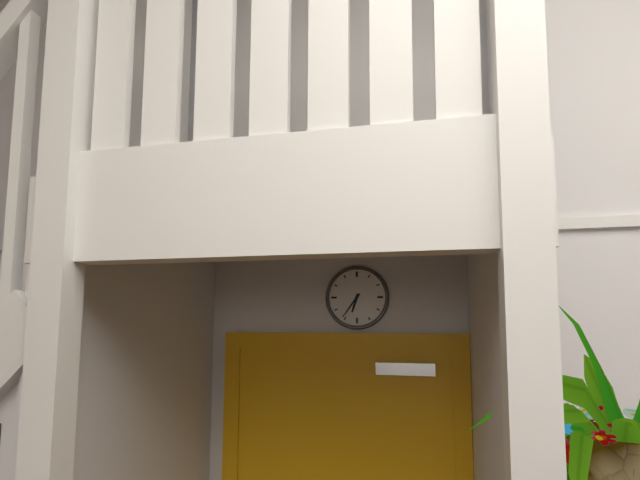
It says 6 h 36 min
